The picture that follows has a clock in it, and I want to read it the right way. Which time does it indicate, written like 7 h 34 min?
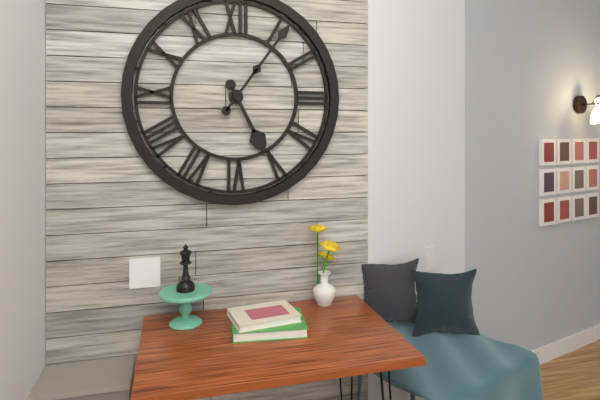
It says 5 h 06 min
